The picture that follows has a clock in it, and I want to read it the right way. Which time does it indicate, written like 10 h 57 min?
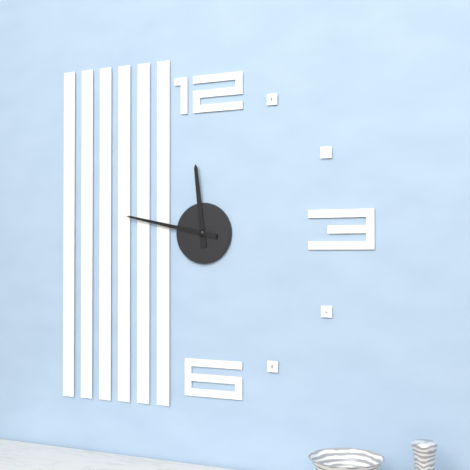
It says 11 h 47 min
